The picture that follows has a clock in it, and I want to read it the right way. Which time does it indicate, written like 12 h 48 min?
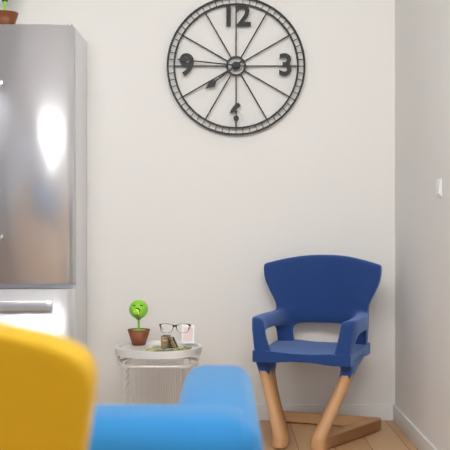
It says 7 h 46 min
